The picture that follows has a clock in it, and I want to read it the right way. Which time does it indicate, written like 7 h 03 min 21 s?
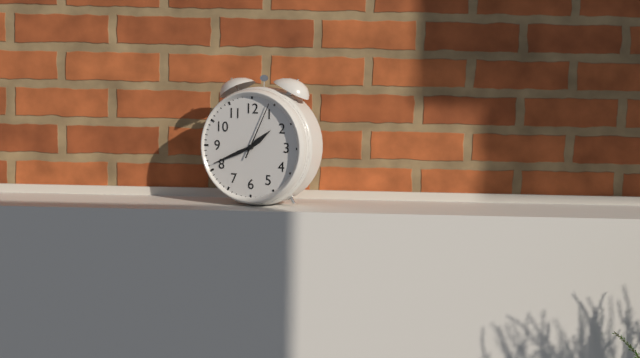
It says 1 h 41 min 04 s
